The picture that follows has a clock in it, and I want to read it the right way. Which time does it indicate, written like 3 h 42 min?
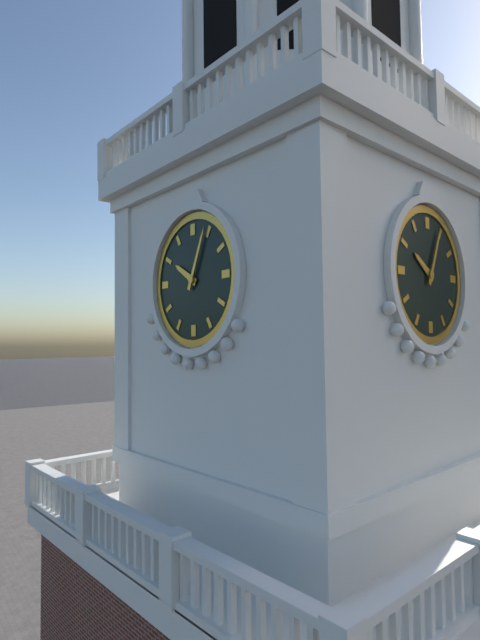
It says 10 h 04 min
